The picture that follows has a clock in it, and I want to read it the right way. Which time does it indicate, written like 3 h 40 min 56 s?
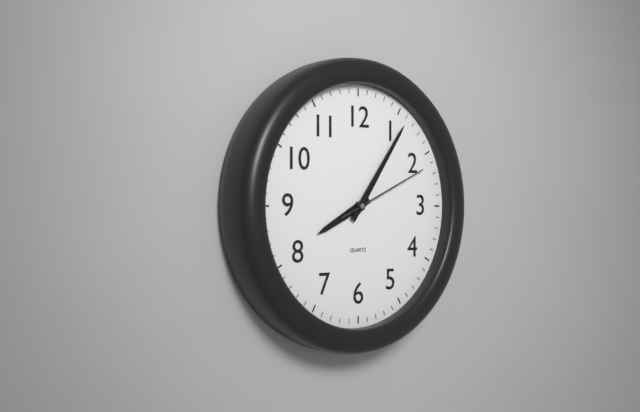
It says 8 h 06 min 11 s
